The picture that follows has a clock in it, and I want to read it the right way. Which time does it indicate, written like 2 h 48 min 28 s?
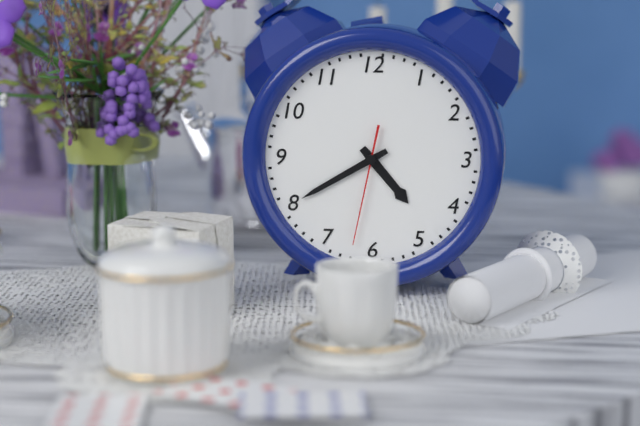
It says 4 h 40 min 32 s
